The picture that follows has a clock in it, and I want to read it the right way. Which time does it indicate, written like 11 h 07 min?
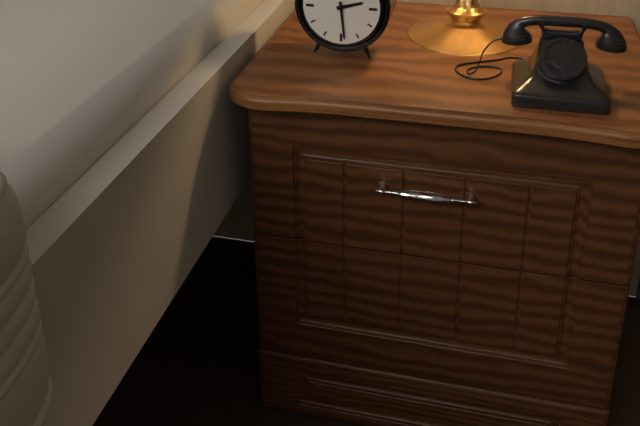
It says 2 h 29 min
